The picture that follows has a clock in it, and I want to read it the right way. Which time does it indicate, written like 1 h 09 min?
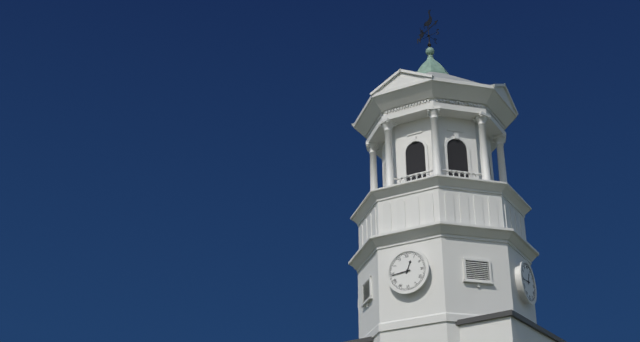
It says 12 h 44 min
